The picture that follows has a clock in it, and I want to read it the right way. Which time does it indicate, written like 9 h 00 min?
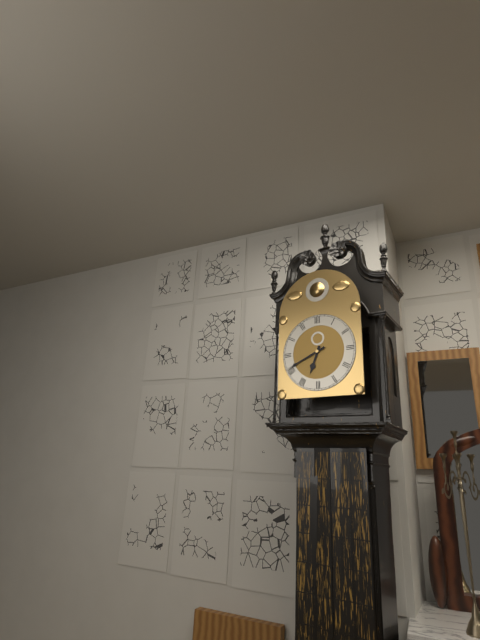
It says 6 h 41 min
